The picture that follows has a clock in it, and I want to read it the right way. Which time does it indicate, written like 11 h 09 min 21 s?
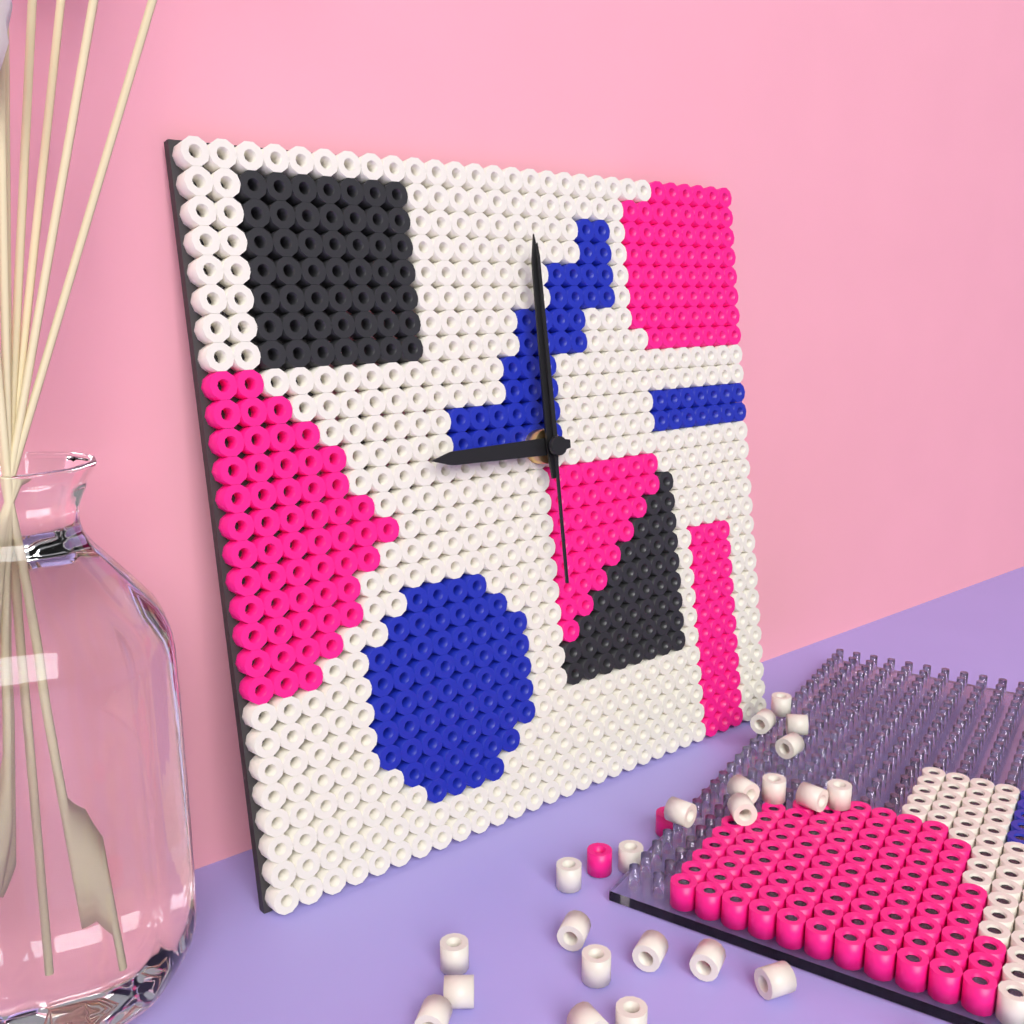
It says 9 h 00 min 00 s
